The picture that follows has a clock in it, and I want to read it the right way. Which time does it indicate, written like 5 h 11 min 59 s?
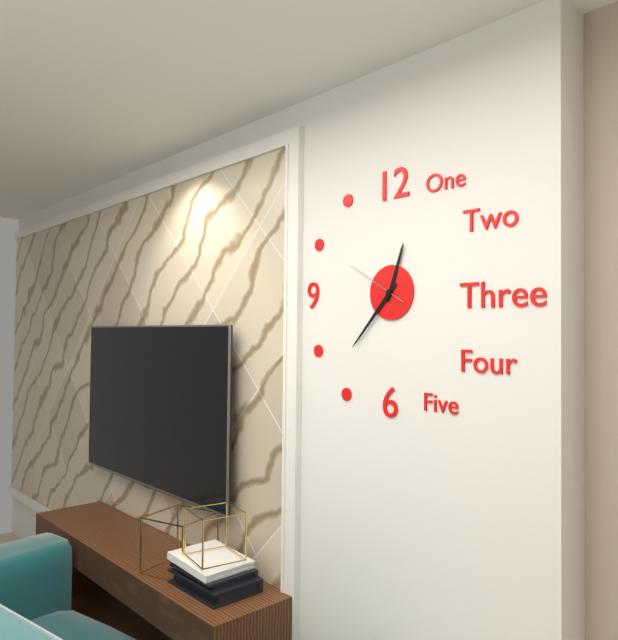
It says 12 h 37 min 50 s
